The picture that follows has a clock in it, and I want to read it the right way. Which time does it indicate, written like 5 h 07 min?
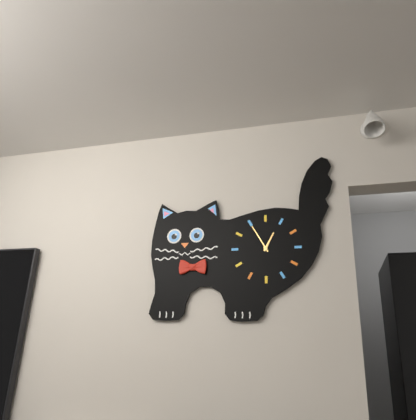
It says 12 h 55 min
